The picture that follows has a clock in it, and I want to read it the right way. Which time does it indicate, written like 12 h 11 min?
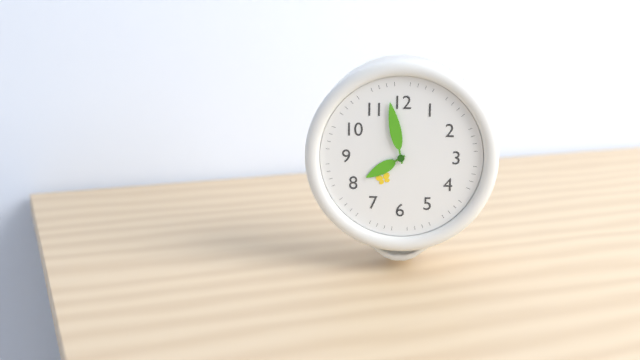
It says 7 h 58 min
